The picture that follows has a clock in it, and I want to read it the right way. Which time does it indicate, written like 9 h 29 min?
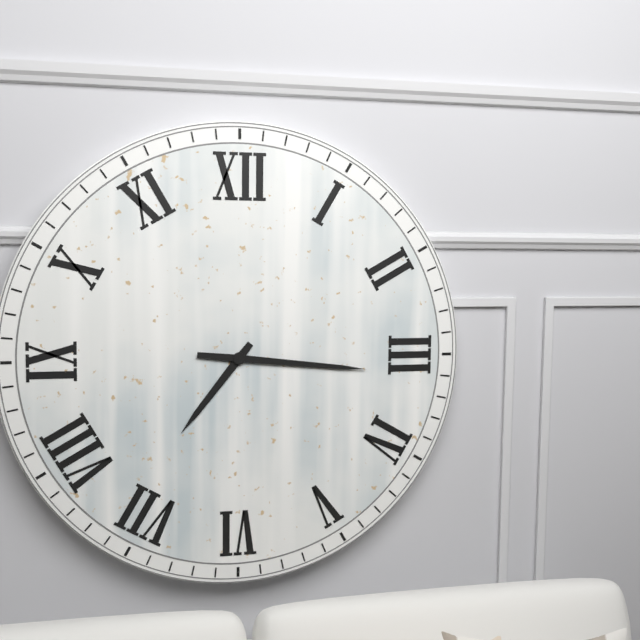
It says 7 h 16 min
